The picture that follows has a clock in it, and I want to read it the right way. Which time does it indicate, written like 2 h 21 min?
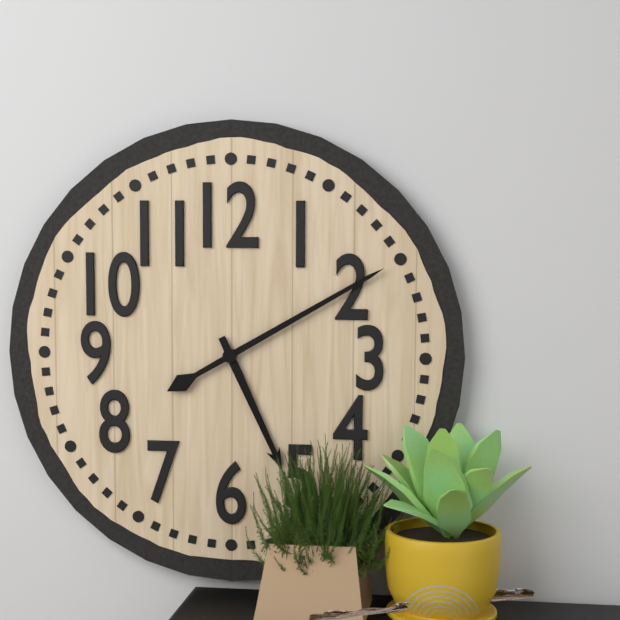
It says 5 h 10 min
